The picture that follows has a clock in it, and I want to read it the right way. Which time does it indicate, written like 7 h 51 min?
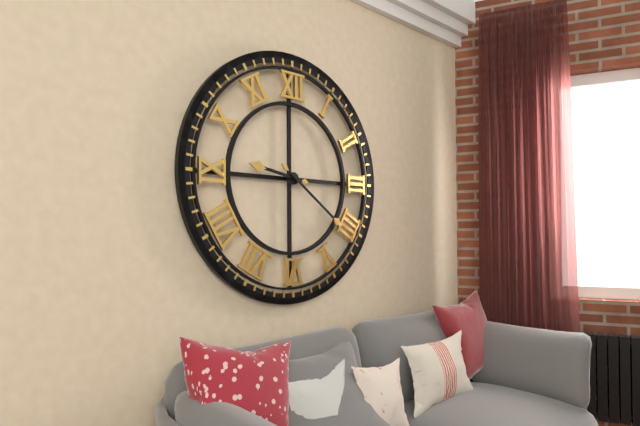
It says 9 h 21 min
